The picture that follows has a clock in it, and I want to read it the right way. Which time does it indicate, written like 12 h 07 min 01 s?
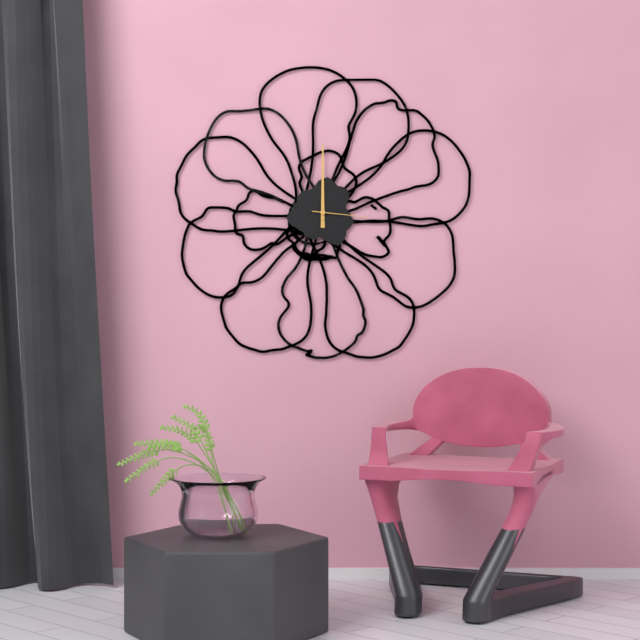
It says 12 h 00 min 16 s
